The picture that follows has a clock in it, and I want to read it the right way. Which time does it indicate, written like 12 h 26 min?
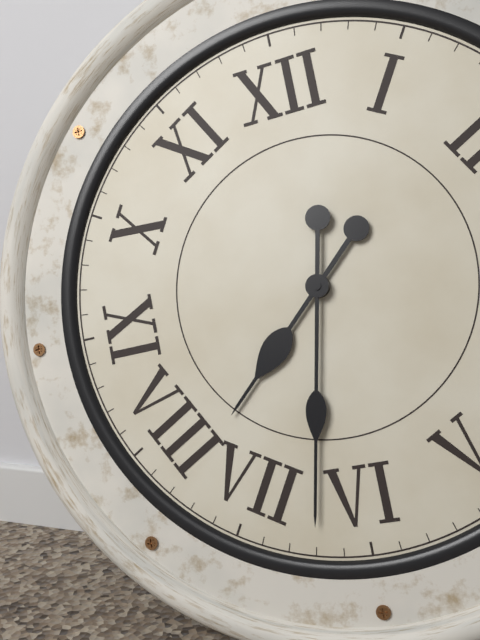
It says 7 h 32 min
